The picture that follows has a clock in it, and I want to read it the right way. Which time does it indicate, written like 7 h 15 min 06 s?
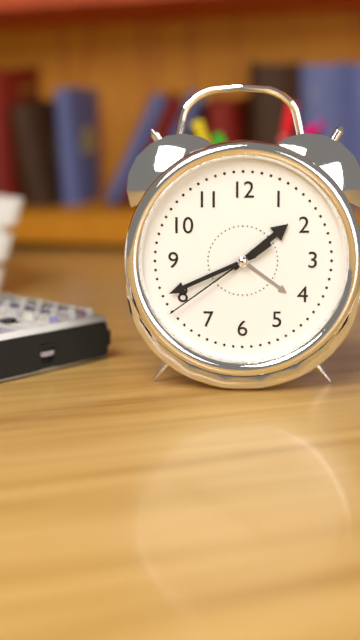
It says 1 h 41 min 39 s
